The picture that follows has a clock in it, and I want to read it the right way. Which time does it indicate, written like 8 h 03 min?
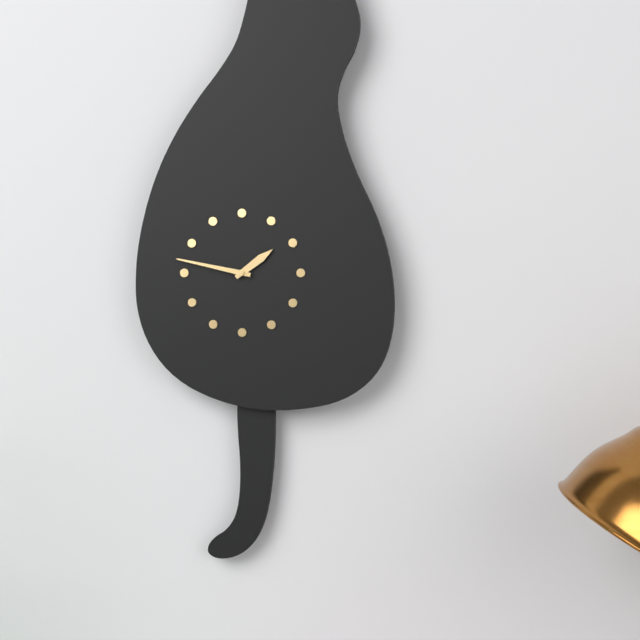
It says 1 h 47 min
